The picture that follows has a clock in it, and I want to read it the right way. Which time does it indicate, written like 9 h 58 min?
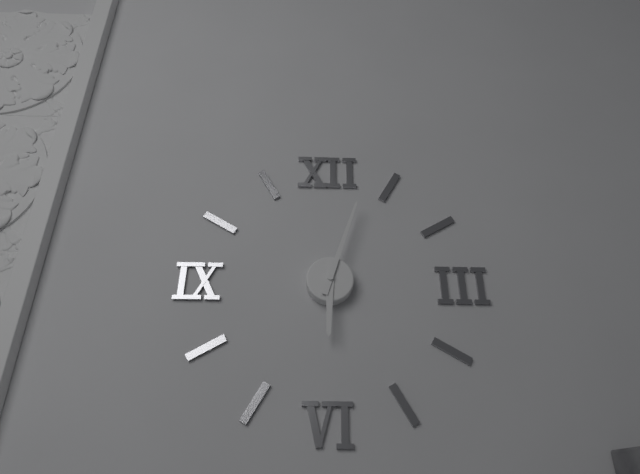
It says 6 h 03 min
